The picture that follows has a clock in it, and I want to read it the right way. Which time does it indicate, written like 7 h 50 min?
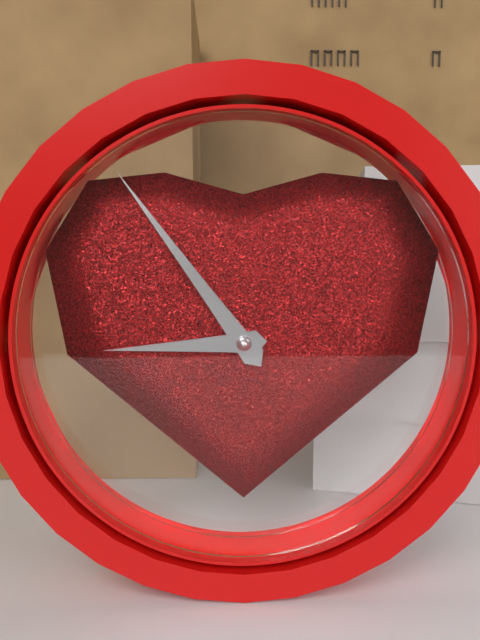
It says 8 h 54 min
